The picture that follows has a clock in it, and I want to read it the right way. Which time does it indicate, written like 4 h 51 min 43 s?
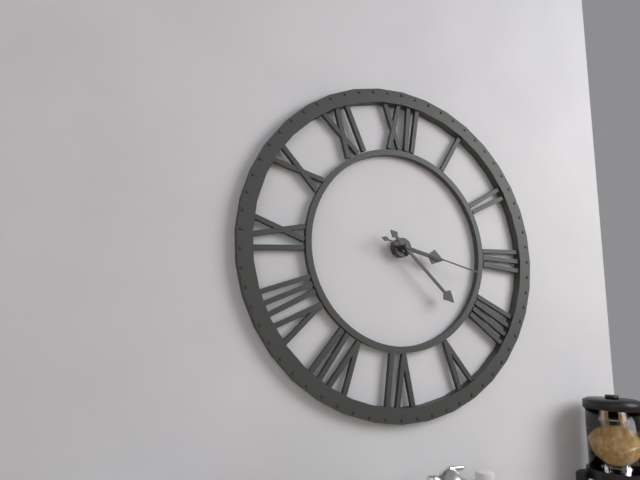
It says 3 h 22 min 17 s
